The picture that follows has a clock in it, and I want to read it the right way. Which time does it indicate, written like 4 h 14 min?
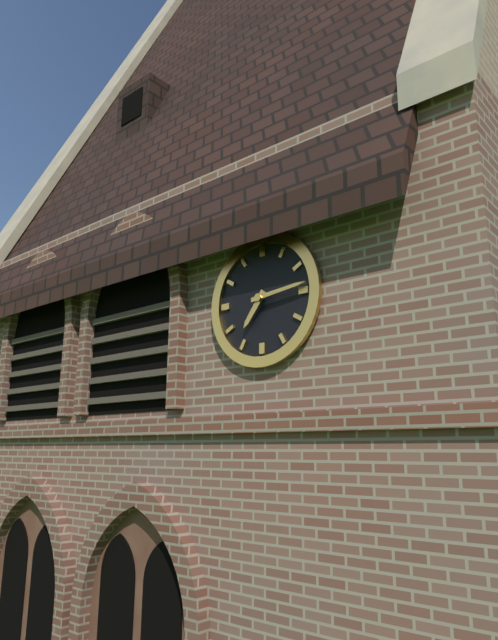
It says 7 h 14 min
